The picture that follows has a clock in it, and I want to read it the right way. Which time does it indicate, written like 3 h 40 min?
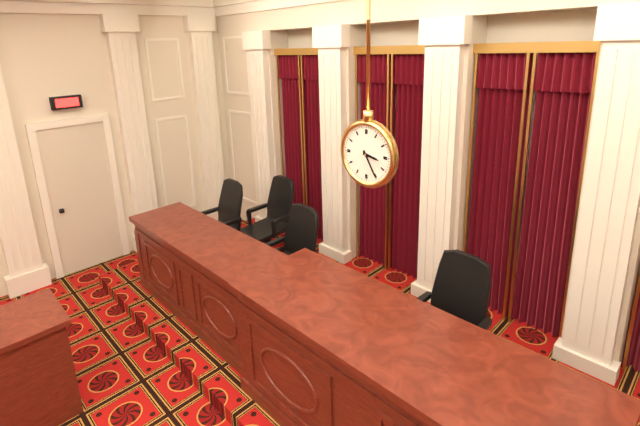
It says 3 h 25 min
